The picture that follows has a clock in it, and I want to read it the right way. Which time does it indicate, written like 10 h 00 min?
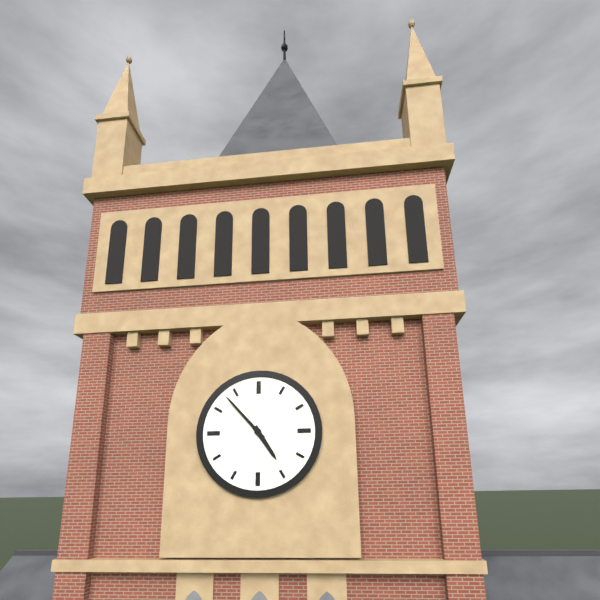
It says 4 h 53 min
